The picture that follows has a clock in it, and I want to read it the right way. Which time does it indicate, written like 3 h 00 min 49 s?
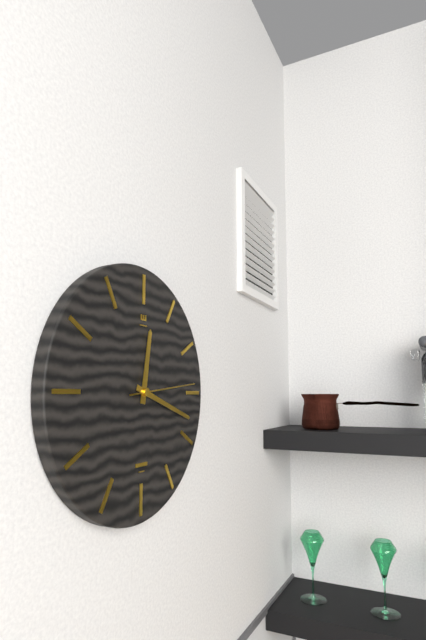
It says 12 h 18 min 14 s
